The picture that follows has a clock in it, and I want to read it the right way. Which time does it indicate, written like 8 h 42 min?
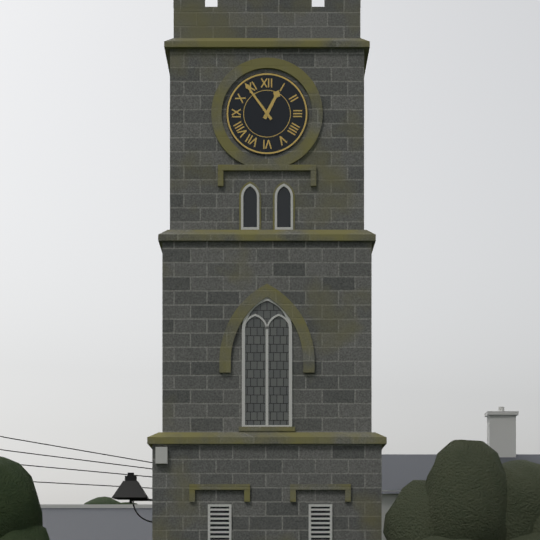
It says 12 h 54 min
